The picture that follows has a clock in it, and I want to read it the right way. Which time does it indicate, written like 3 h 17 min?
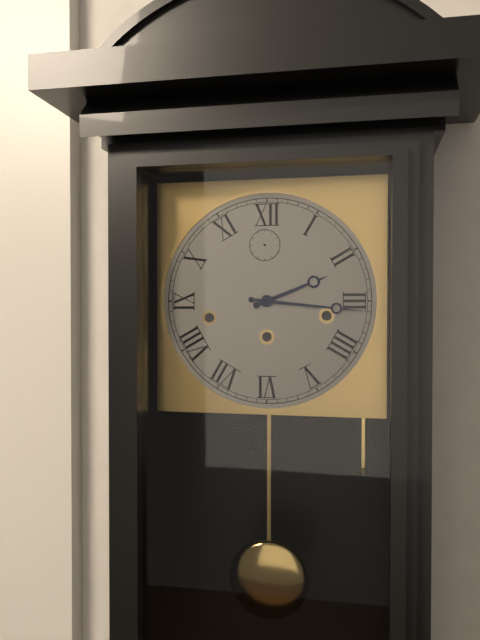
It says 2 h 16 min
